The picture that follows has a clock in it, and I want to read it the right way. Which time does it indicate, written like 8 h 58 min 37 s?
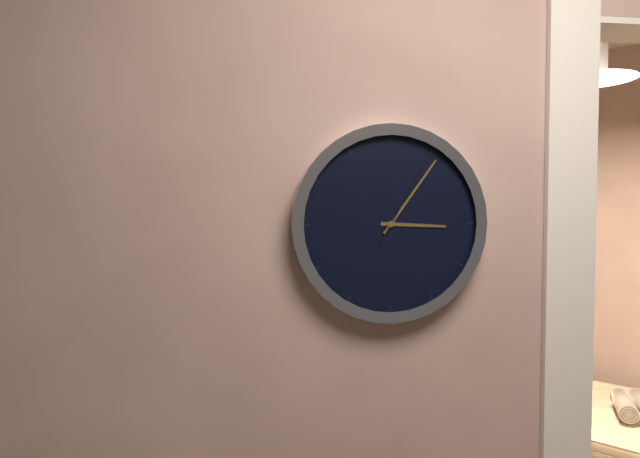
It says 3 h 06 min 05 s
